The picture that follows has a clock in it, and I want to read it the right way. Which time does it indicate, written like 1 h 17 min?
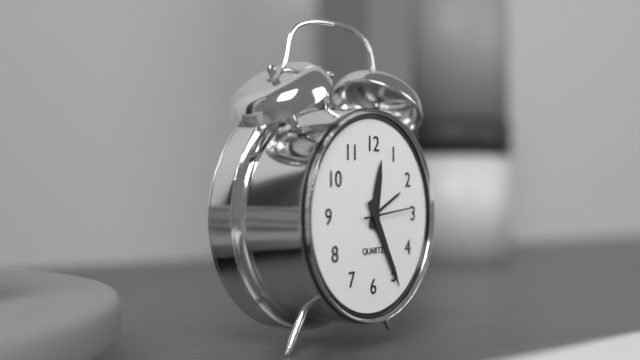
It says 12 h 25 min
